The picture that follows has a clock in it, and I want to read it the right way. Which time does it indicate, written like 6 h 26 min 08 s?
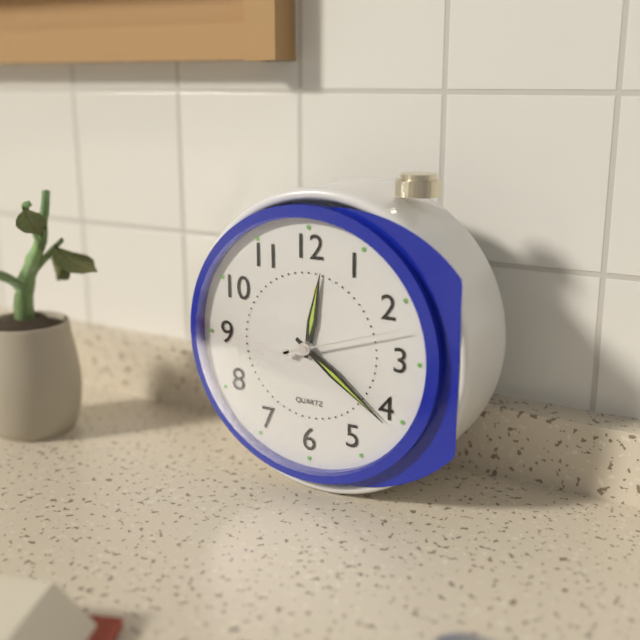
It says 12 h 21 min 12 s
